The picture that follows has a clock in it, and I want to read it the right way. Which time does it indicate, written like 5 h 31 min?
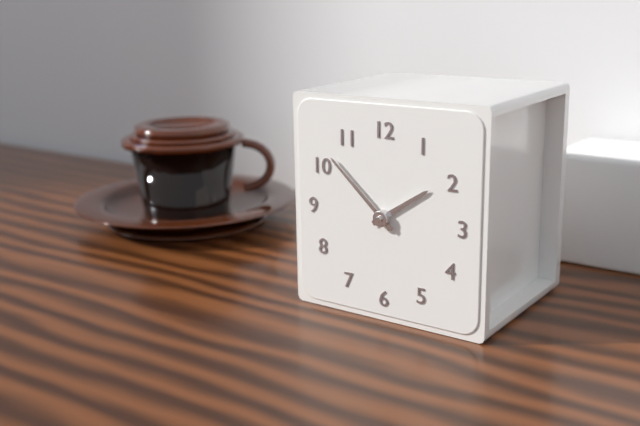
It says 1 h 52 min
